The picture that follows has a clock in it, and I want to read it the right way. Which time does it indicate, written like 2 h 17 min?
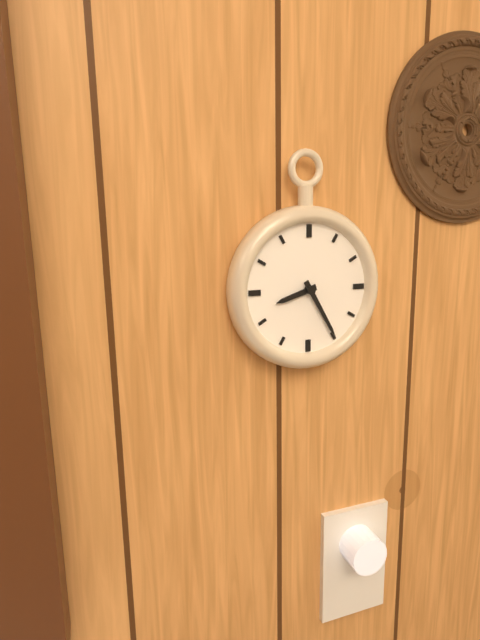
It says 8 h 25 min
